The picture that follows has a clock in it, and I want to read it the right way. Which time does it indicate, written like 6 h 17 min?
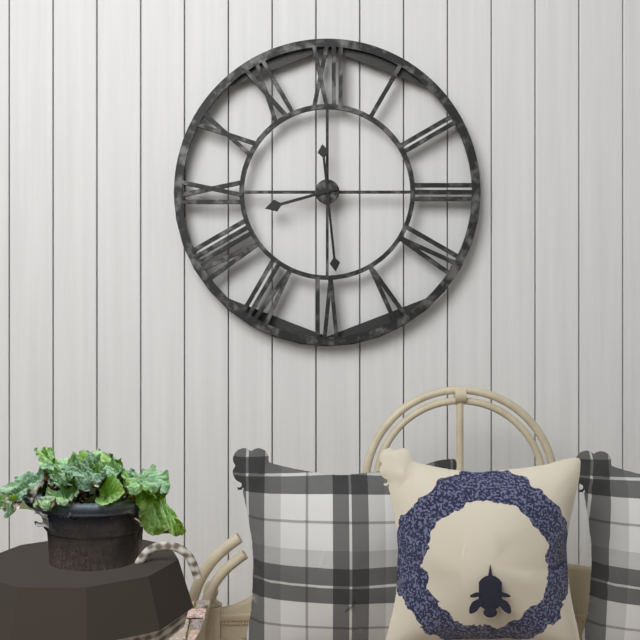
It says 8 h 29 min
